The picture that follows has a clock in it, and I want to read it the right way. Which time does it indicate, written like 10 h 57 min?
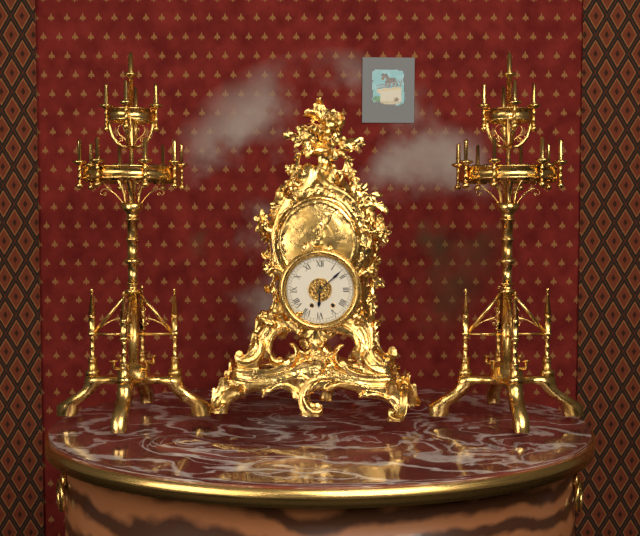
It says 6 h 08 min
